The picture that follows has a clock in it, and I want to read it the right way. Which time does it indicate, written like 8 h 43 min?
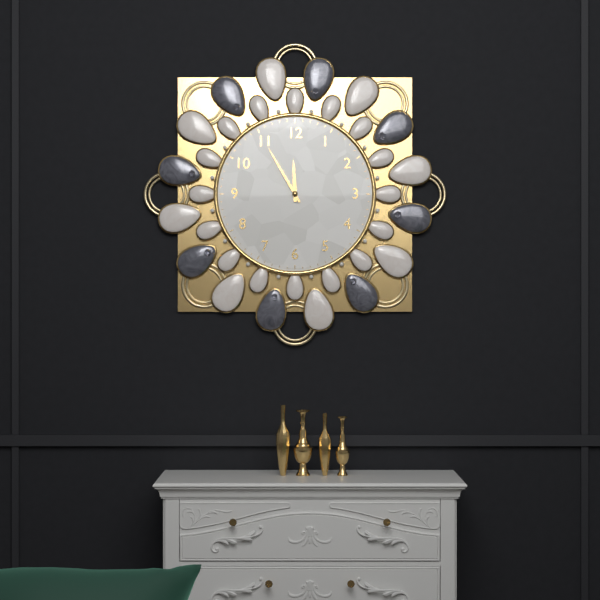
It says 11 h 55 min
